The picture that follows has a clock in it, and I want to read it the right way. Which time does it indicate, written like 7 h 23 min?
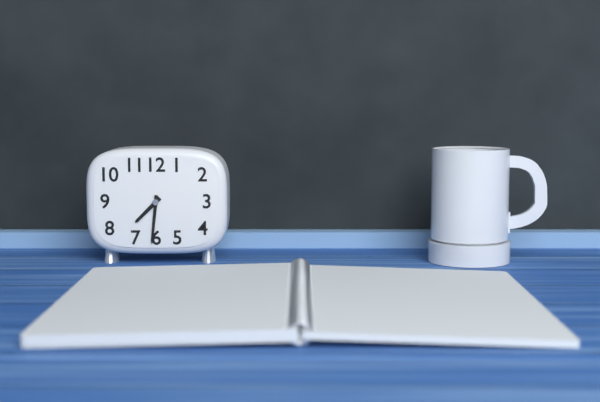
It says 7 h 31 min
